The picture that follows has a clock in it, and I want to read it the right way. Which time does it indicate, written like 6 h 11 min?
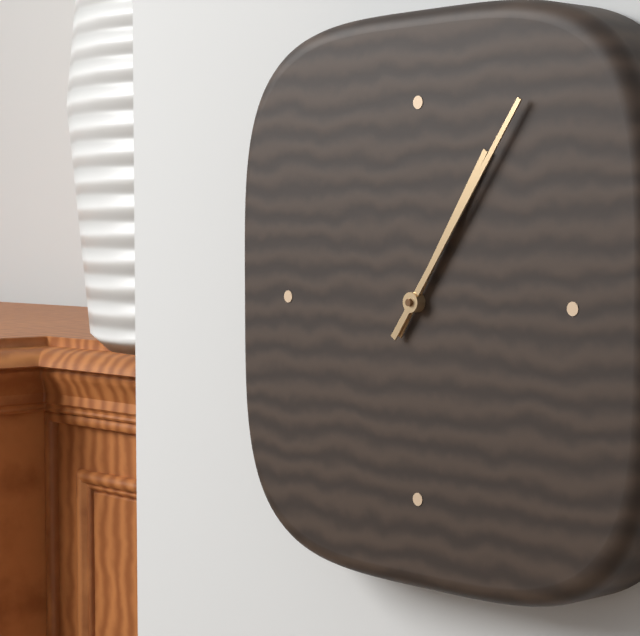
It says 1 h 06 min
